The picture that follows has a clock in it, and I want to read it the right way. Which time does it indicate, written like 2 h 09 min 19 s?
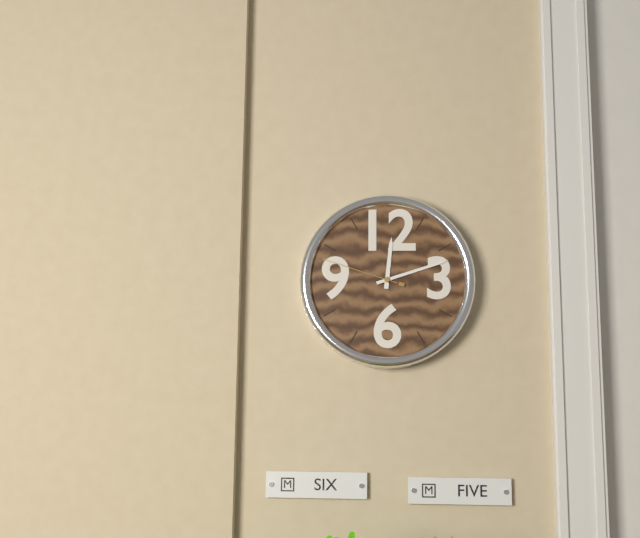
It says 12 h 12 min 48 s
